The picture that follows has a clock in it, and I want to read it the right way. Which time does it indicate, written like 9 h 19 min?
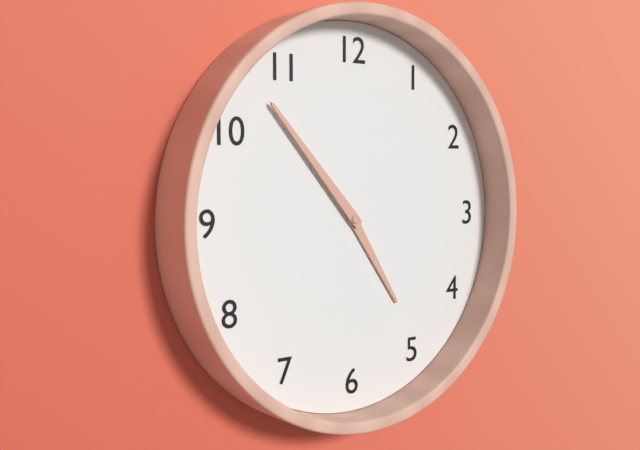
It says 4 h 53 min
